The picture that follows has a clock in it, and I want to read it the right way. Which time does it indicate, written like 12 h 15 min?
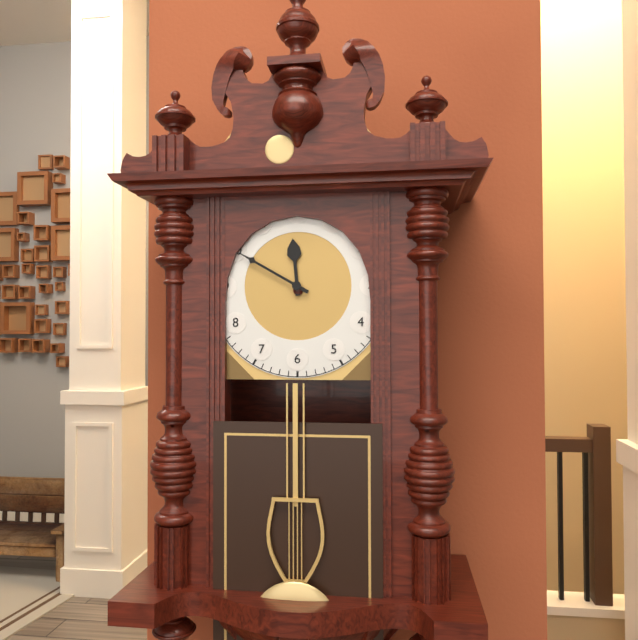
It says 11 h 50 min
